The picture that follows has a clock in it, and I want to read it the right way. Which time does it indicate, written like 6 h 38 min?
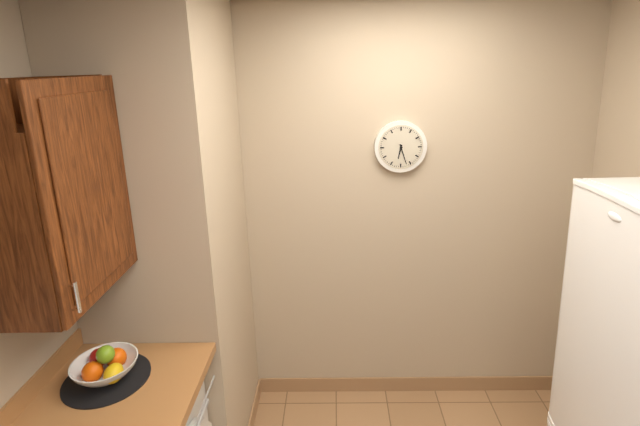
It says 6 h 27 min
